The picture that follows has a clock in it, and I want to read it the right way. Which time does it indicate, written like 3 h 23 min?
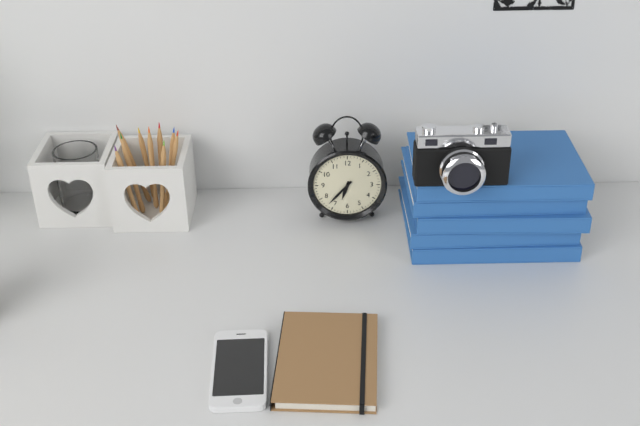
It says 6 h 37 min
